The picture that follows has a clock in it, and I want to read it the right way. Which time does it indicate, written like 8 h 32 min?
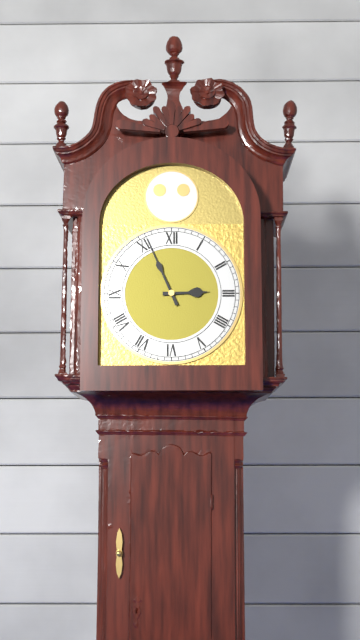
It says 2 h 56 min
